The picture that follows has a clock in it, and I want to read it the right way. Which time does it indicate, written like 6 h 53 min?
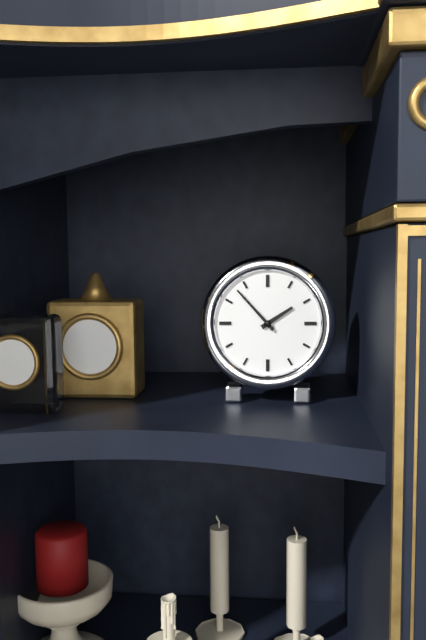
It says 1 h 53 min
